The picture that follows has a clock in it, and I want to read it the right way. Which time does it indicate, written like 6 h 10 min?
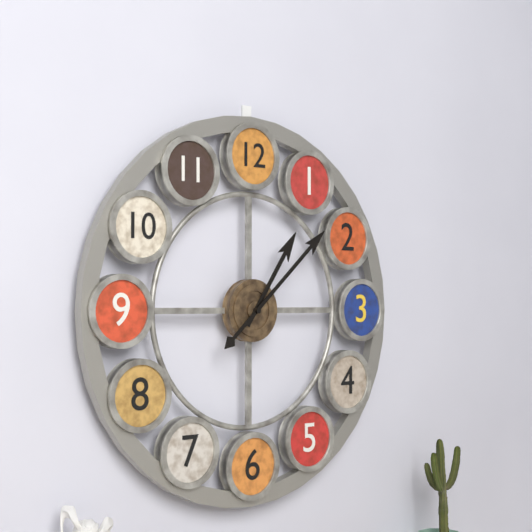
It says 1 h 08 min
